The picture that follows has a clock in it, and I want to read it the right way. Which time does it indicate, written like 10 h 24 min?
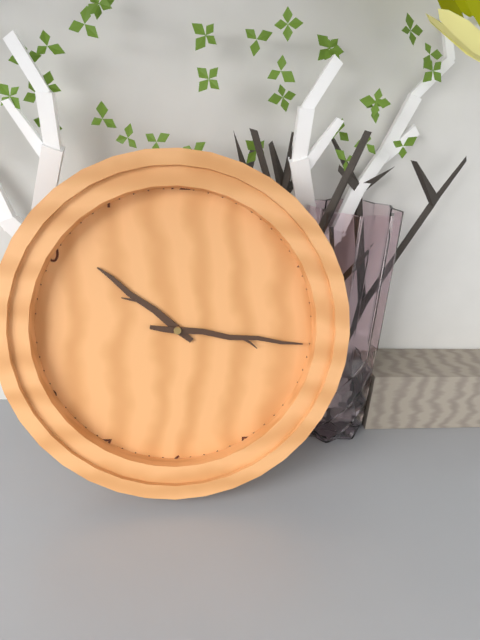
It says 10 h 16 min
